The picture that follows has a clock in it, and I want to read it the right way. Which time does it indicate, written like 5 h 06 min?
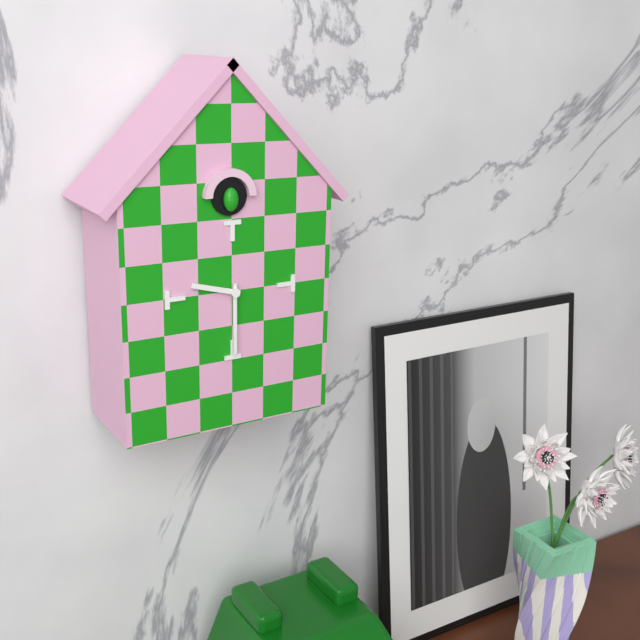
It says 9 h 30 min
